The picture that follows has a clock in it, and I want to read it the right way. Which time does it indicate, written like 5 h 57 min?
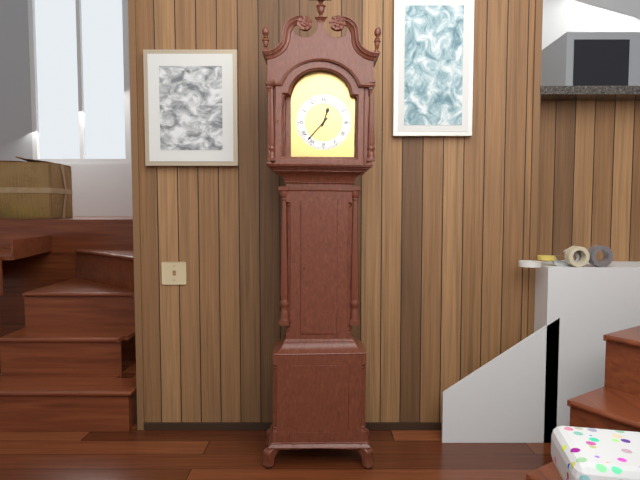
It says 12 h 37 min
